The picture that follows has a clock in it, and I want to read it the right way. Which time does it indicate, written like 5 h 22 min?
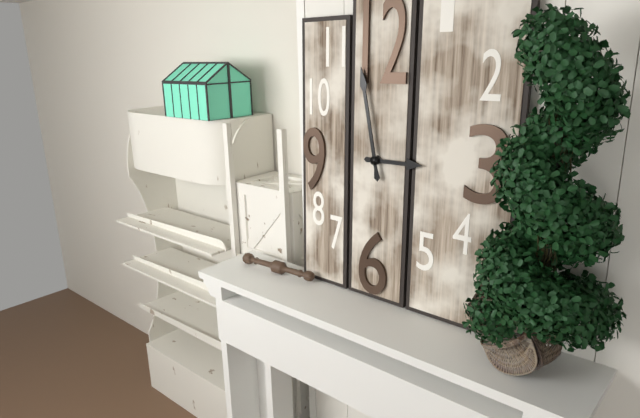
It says 2 h 58 min
